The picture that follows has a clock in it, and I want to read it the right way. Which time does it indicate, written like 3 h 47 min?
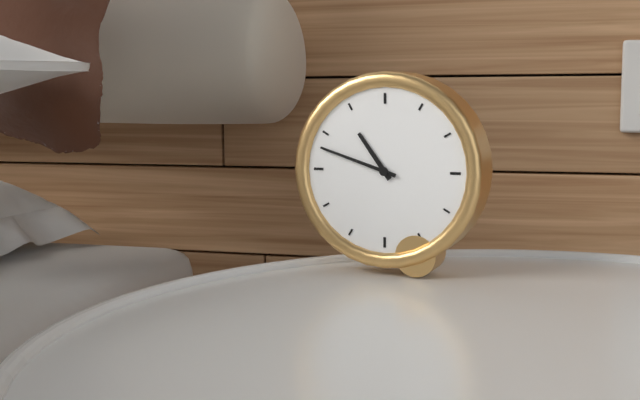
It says 10 h 48 min
